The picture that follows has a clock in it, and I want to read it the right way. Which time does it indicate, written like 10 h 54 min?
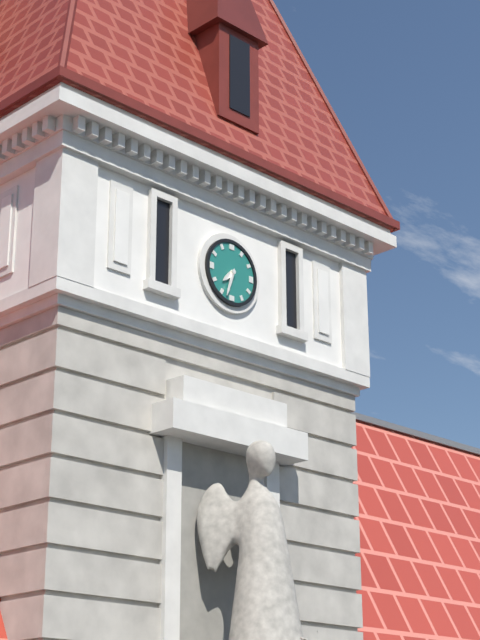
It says 7 h 33 min
